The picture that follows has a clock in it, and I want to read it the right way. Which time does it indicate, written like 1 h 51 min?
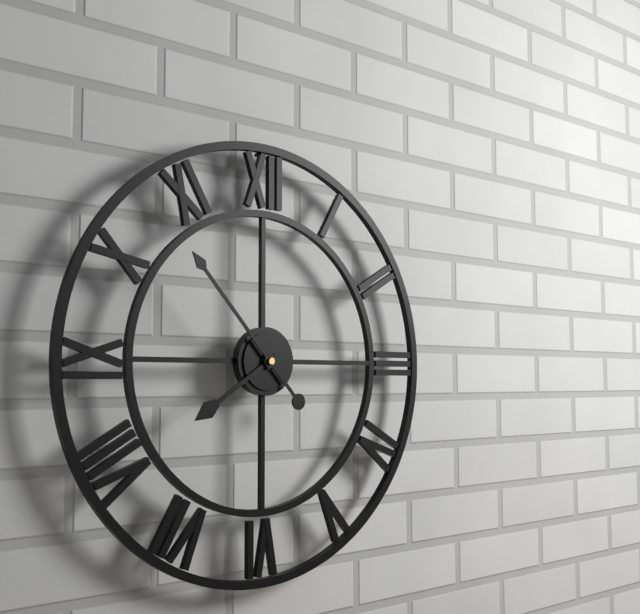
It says 7 h 53 min
